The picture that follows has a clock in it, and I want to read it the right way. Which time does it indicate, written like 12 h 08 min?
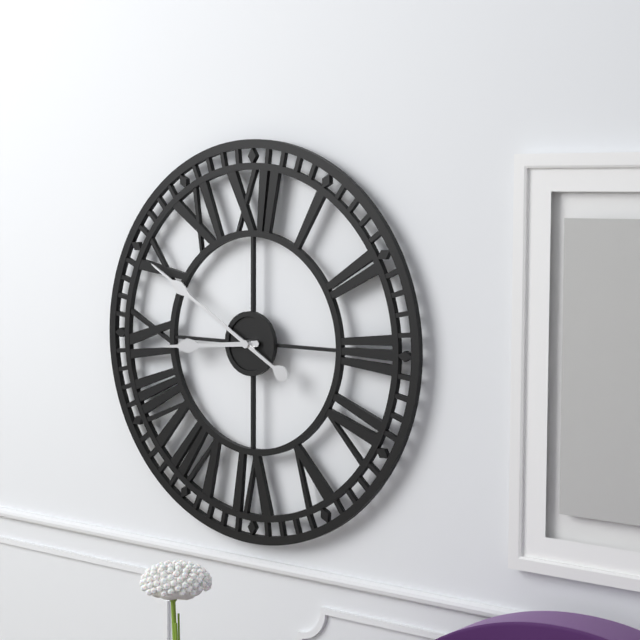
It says 8 h 50 min
